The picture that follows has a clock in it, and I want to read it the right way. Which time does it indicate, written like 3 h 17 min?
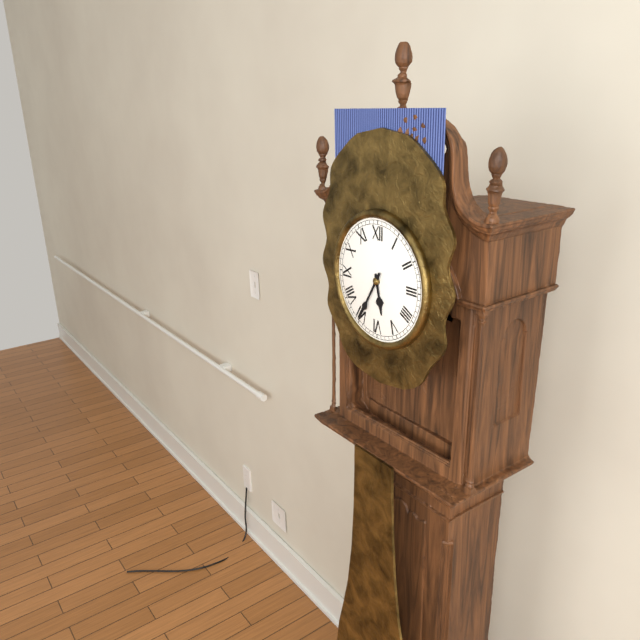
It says 5 h 35 min
